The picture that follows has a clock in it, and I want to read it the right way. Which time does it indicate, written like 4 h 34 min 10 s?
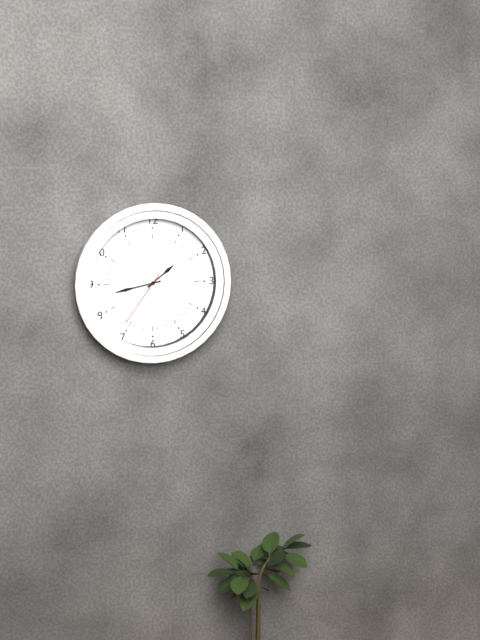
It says 1 h 43 min 36 s
